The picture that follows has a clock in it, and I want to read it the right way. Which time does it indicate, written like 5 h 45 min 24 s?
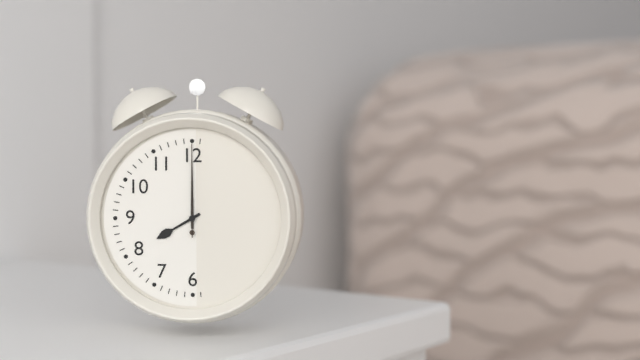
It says 8 h 00 min 00 s
